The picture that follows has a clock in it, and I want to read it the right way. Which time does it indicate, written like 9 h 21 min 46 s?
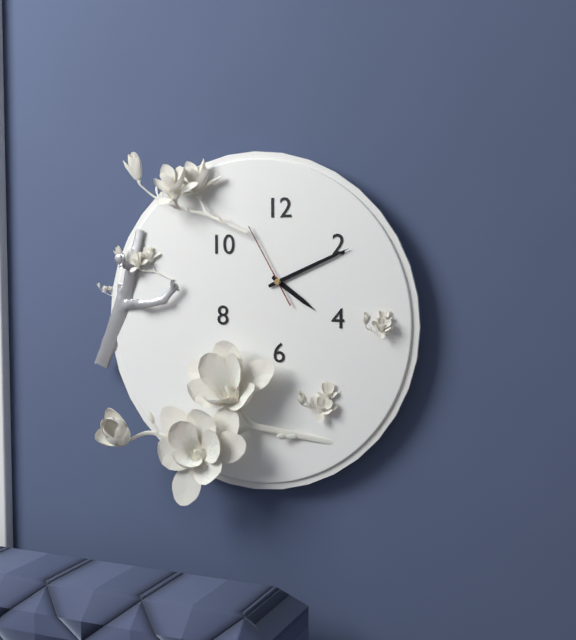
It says 4 h 11 min 55 s
